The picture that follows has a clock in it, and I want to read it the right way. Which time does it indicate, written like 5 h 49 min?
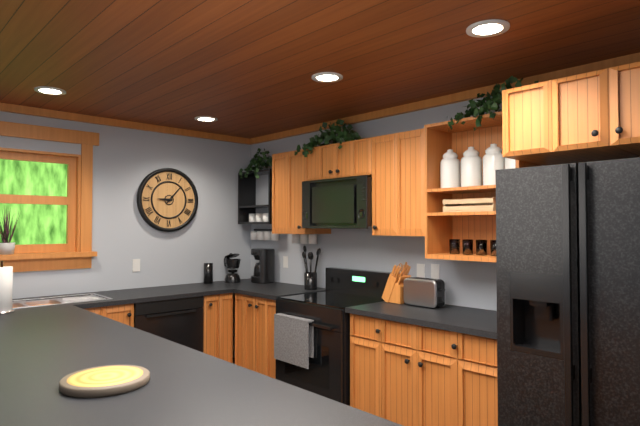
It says 9 h 07 min
